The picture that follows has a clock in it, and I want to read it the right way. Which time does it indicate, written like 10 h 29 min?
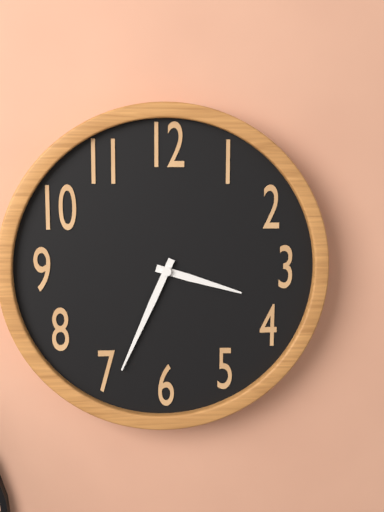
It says 3 h 34 min
